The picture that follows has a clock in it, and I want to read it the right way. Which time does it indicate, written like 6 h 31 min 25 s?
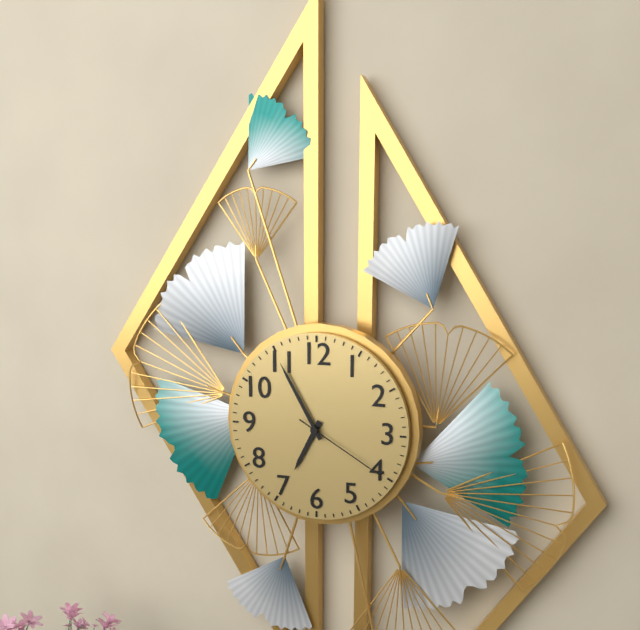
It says 6 h 55 min 20 s
